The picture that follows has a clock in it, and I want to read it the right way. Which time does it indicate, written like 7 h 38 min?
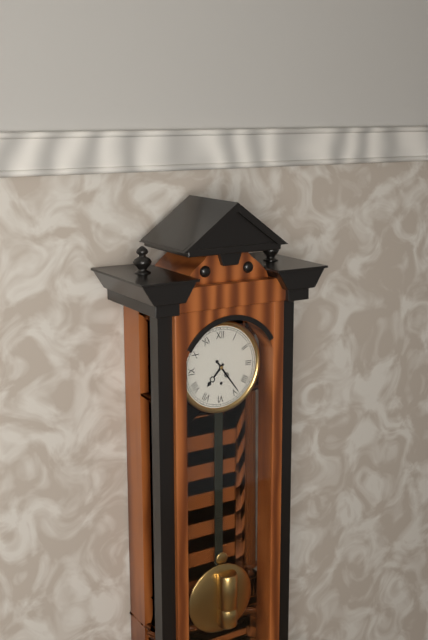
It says 7 h 24 min
